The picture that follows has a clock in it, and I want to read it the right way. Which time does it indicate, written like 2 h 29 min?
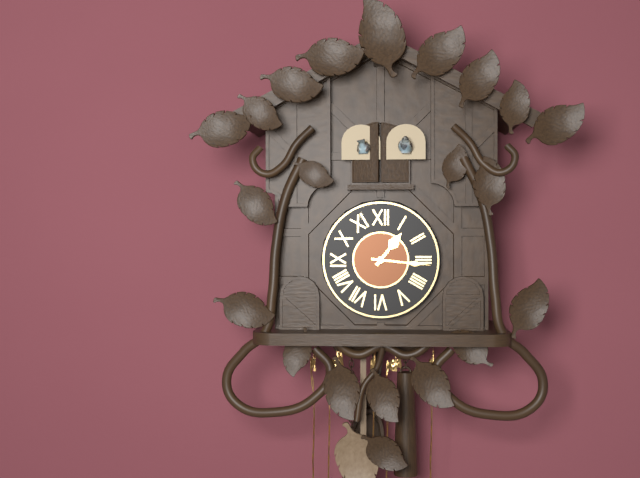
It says 1 h 16 min
